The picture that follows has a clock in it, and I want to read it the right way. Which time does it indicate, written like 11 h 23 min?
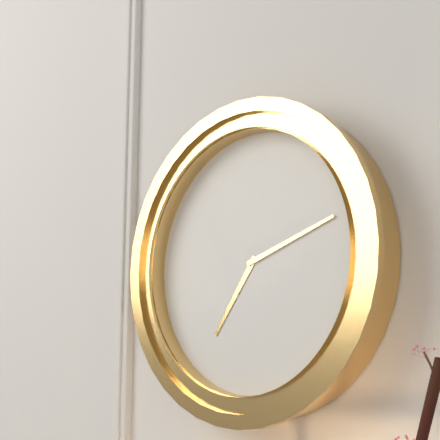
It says 7 h 12 min
